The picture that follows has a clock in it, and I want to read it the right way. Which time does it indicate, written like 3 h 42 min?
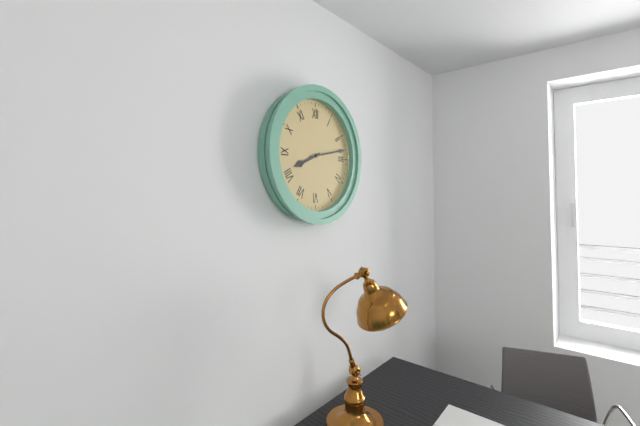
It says 8 h 13 min
